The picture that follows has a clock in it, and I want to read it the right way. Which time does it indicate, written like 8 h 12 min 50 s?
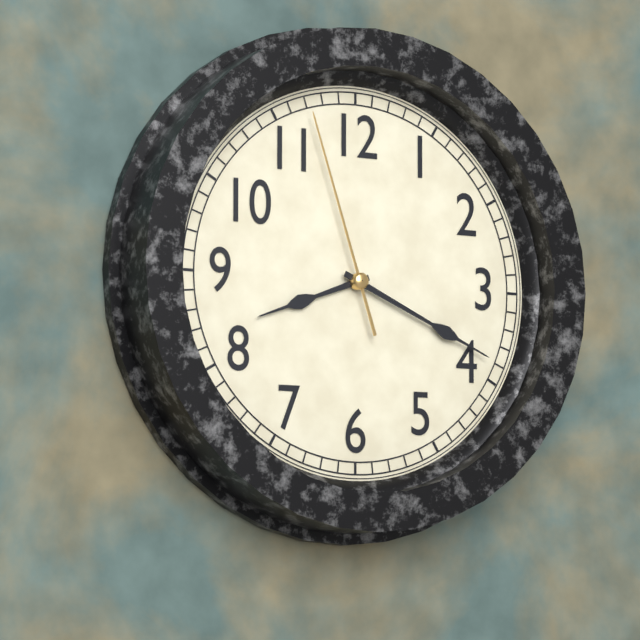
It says 8 h 19 min 57 s
